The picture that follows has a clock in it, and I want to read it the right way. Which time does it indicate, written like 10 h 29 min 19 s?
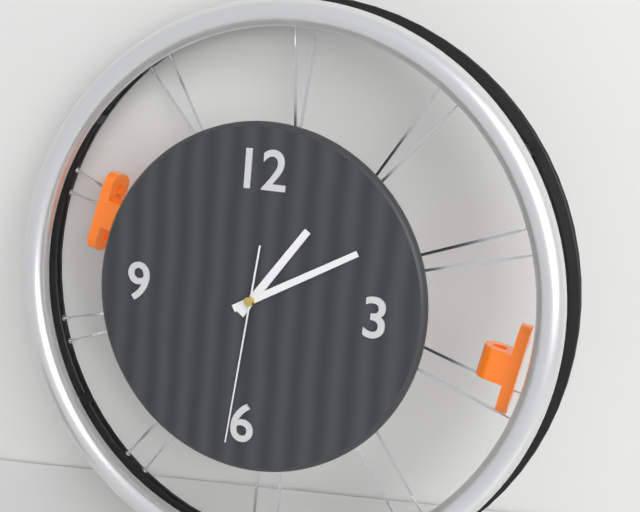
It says 1 h 10 min 31 s
